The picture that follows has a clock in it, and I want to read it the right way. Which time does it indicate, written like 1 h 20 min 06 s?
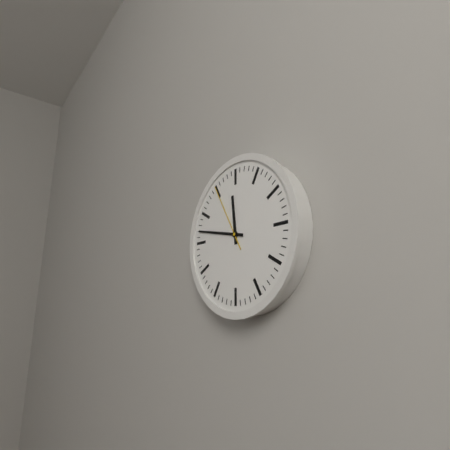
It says 11 h 47 min 55 s
